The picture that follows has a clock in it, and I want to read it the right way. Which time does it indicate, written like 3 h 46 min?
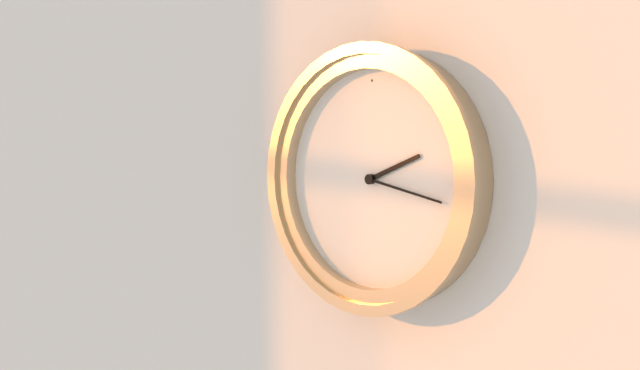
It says 2 h 17 min
